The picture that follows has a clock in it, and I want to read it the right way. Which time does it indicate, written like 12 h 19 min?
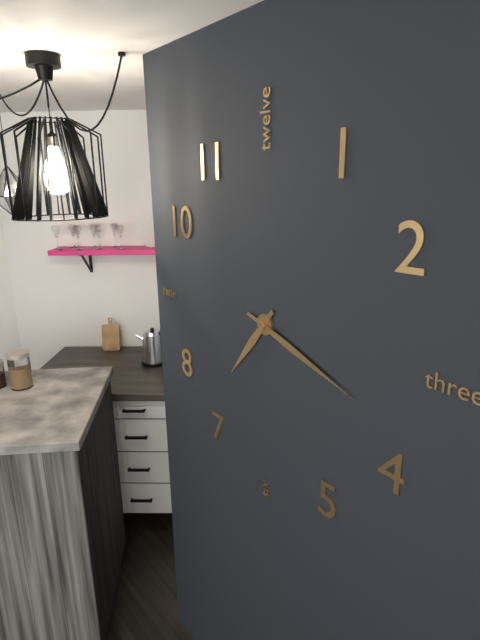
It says 7 h 18 min
